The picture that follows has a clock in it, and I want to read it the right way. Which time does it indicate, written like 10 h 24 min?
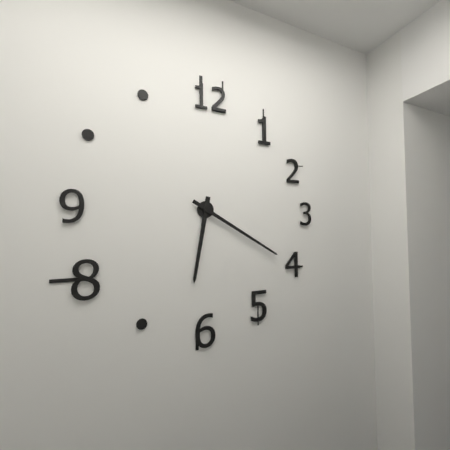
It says 6 h 20 min
